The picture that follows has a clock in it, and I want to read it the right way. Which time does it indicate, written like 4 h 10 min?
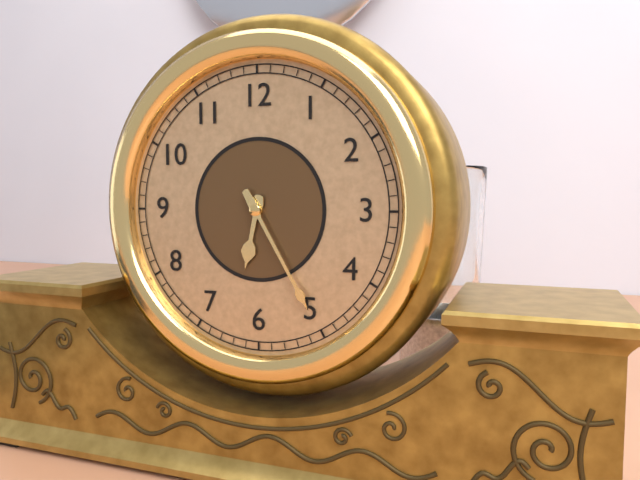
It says 6 h 25 min
